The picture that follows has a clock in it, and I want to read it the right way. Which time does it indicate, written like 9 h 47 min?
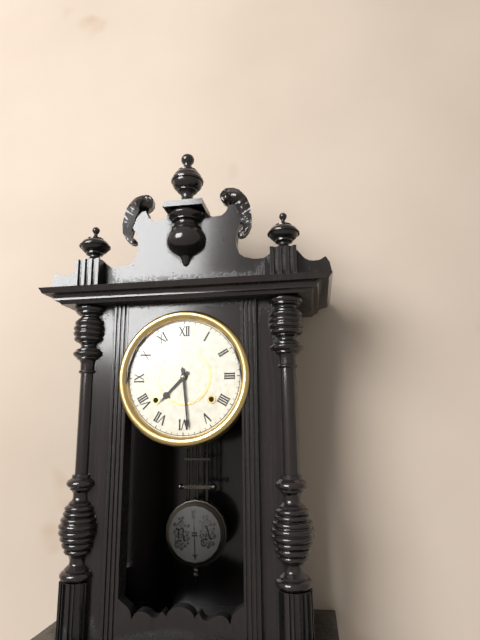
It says 7 h 29 min
